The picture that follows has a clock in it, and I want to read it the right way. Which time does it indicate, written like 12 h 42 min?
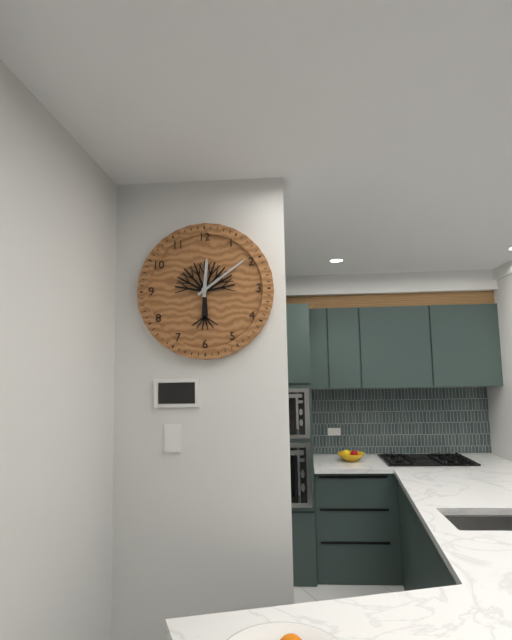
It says 12 h 09 min
